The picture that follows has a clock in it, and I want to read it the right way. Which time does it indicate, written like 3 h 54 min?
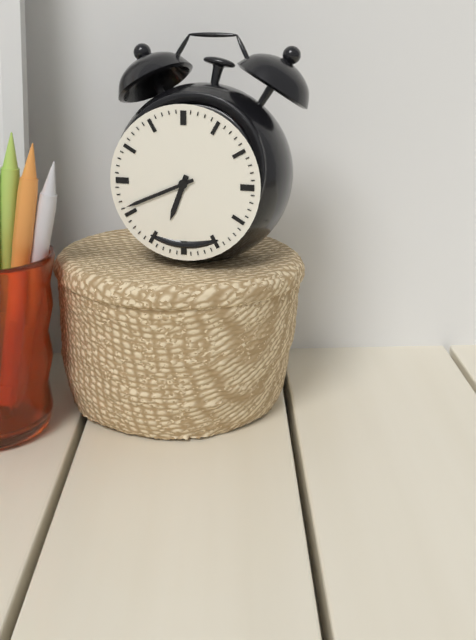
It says 6 h 41 min
